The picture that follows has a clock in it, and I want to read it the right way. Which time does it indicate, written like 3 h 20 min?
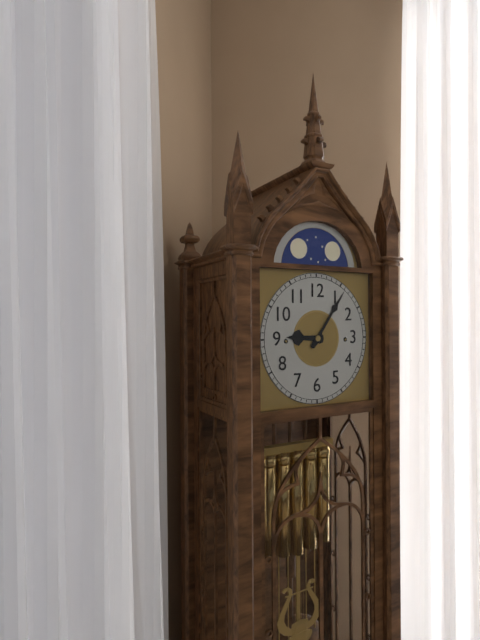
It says 9 h 06 min
